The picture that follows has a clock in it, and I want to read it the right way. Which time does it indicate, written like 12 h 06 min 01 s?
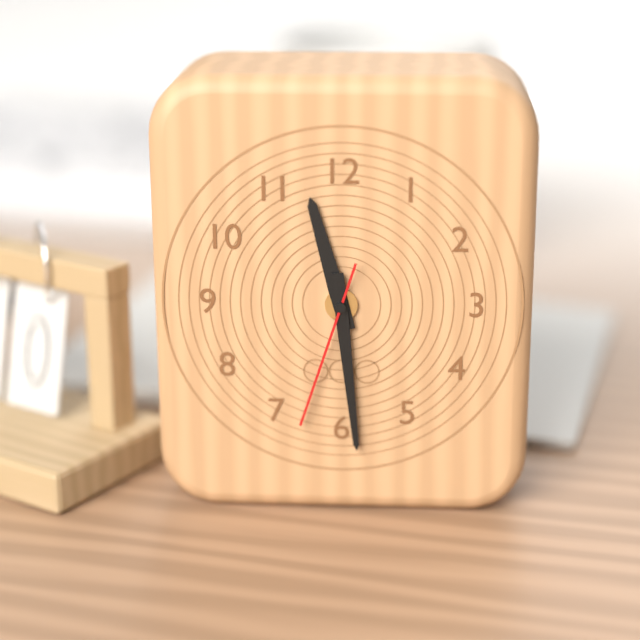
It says 11 h 29 min 33 s
